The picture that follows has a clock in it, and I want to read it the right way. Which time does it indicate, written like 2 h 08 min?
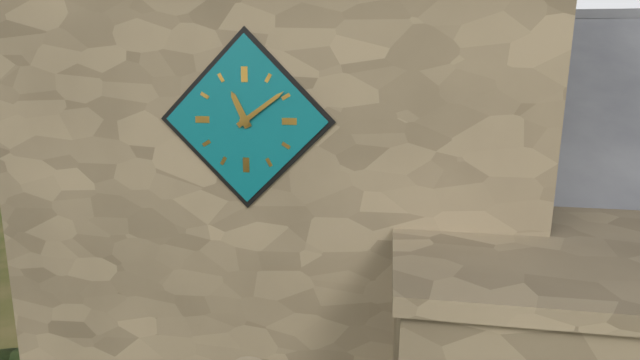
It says 11 h 09 min
